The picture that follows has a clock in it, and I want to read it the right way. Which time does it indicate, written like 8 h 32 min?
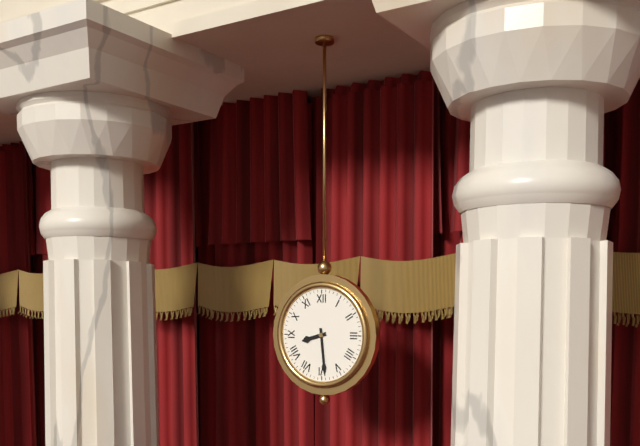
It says 8 h 29 min
